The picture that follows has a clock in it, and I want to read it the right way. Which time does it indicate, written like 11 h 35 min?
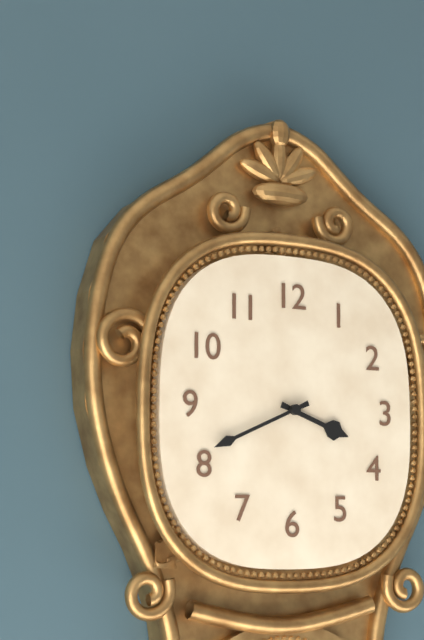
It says 3 h 41 min
